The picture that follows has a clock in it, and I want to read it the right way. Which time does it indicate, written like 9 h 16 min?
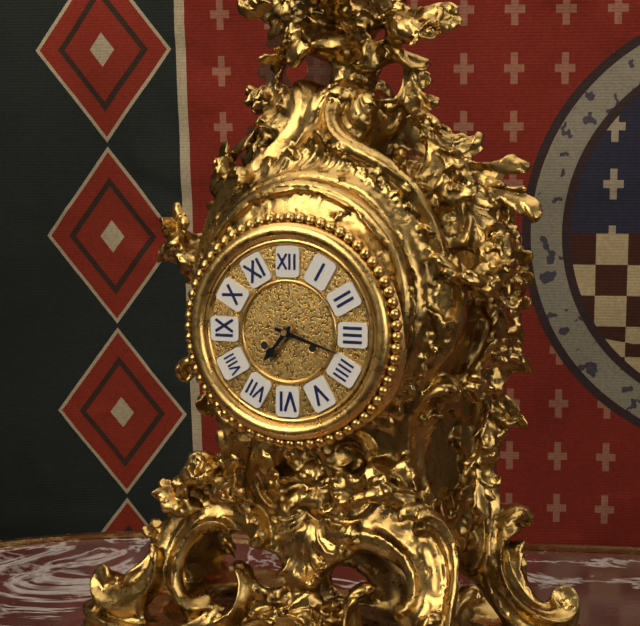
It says 7 h 18 min
